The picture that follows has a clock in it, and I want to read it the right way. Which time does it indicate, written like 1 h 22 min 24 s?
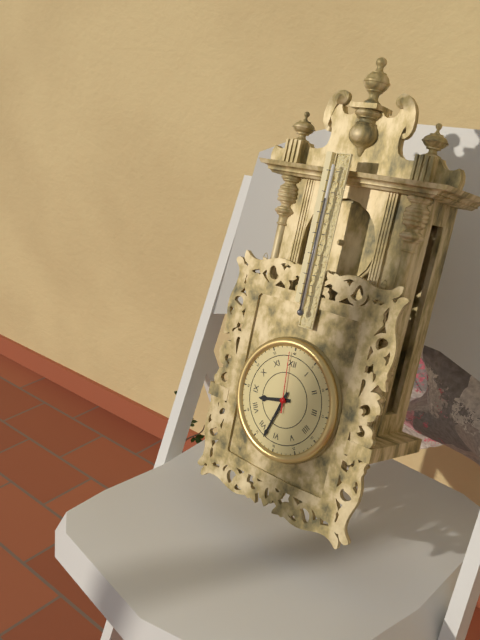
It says 8 h 33 min 59 s
